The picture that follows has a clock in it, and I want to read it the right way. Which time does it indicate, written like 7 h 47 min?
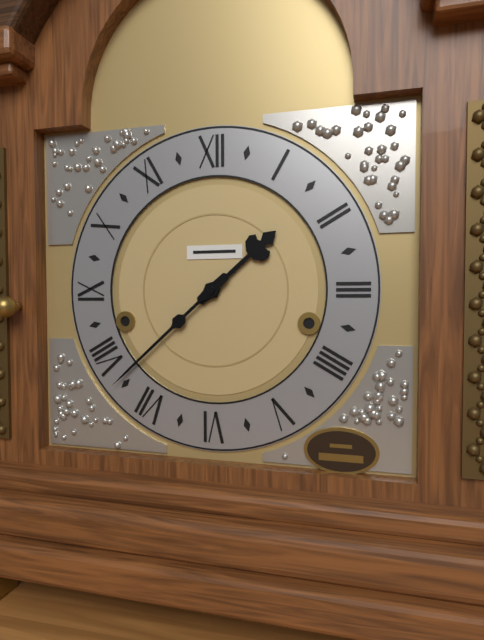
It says 1 h 38 min
